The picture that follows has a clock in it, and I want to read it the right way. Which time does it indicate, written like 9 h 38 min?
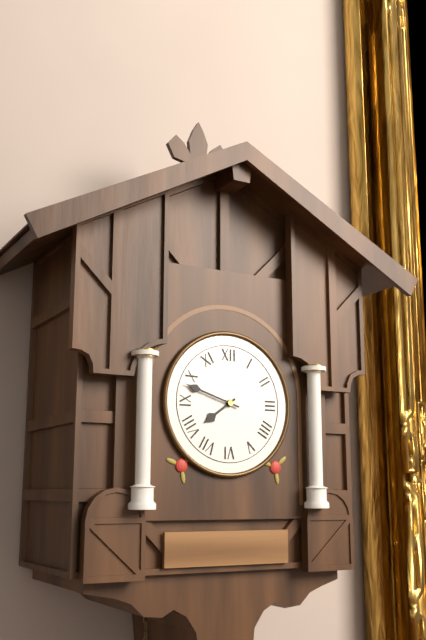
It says 7 h 48 min
